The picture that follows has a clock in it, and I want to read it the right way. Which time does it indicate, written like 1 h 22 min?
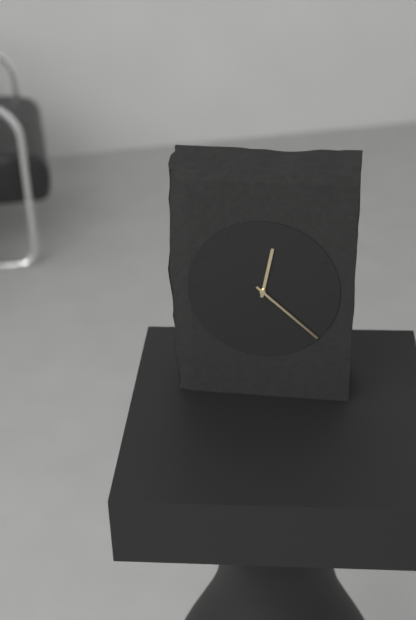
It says 12 h 22 min
